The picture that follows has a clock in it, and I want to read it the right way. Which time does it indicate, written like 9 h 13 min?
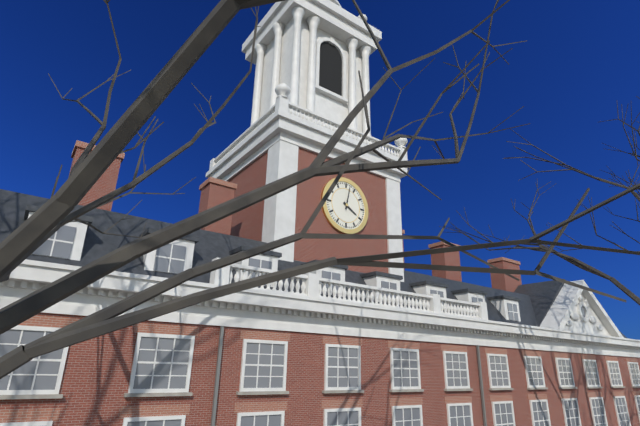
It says 4 h 02 min
